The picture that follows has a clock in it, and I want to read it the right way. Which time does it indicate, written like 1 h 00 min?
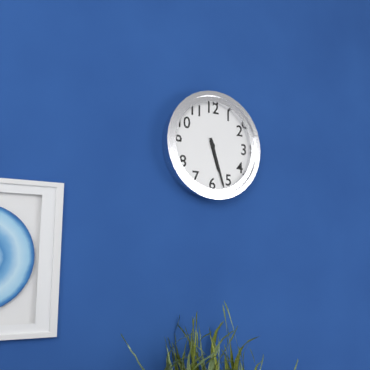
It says 5 h 27 min
